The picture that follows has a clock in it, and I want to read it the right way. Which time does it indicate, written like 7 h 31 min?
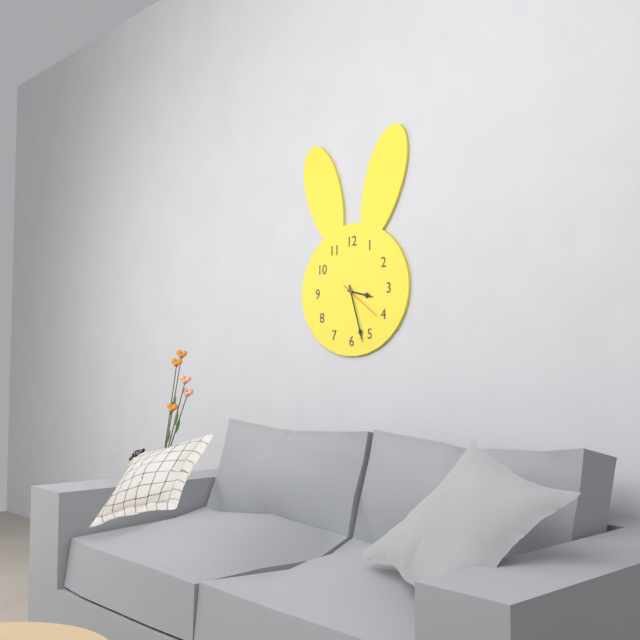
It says 3 h 27 min
